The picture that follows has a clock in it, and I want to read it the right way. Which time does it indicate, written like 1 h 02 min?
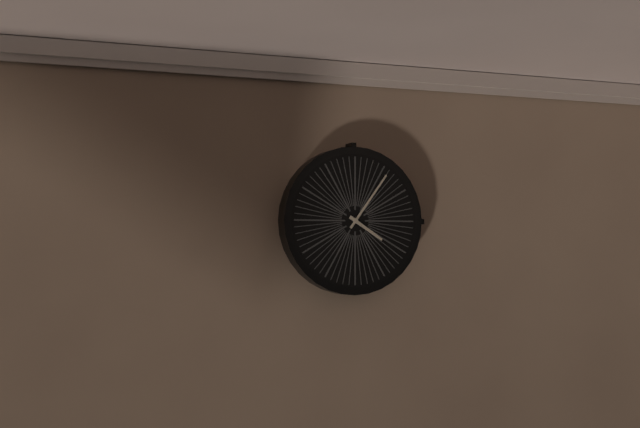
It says 4 h 06 min
